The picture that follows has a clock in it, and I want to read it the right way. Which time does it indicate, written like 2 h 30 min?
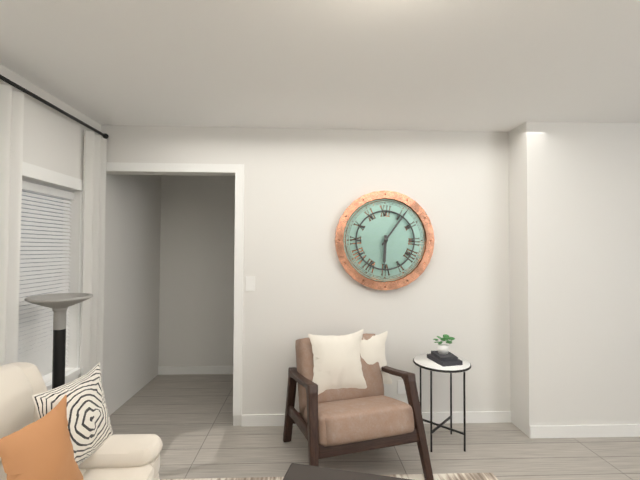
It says 6 h 06 min
